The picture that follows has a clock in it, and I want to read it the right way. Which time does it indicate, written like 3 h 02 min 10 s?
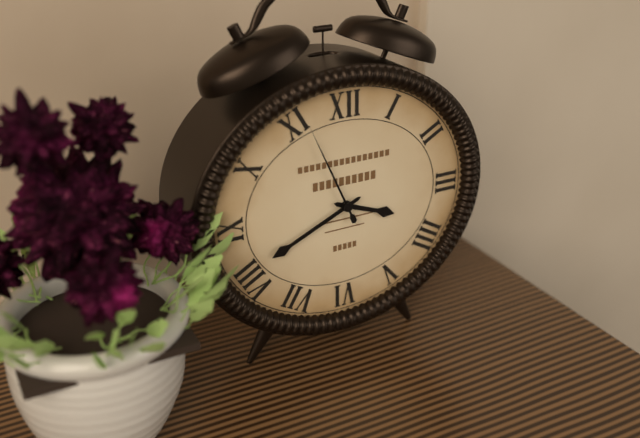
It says 3 h 41 min 56 s
